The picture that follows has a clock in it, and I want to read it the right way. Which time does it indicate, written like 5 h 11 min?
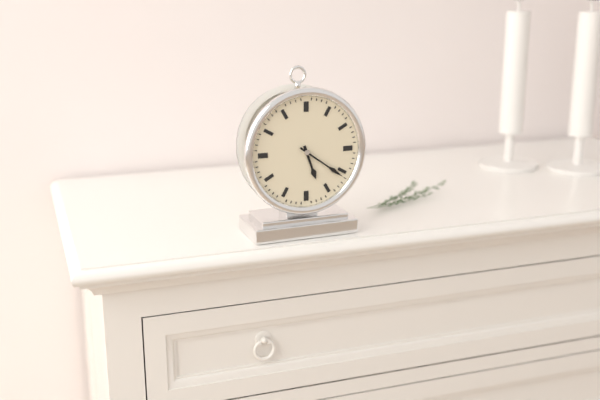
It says 5 h 21 min
